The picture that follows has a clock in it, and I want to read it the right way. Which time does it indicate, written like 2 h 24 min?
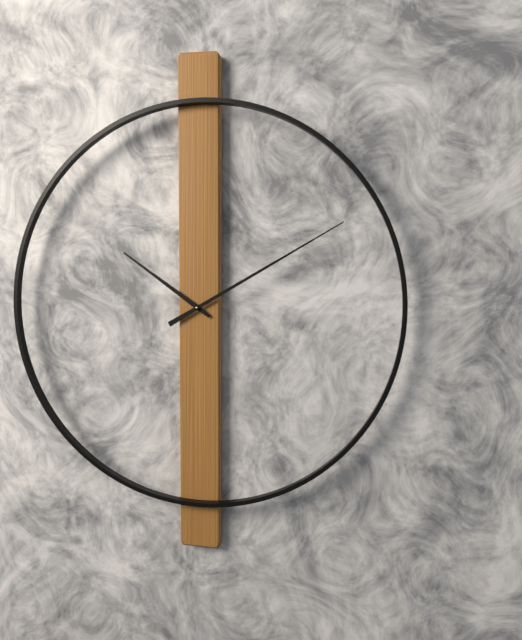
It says 10 h 10 min
